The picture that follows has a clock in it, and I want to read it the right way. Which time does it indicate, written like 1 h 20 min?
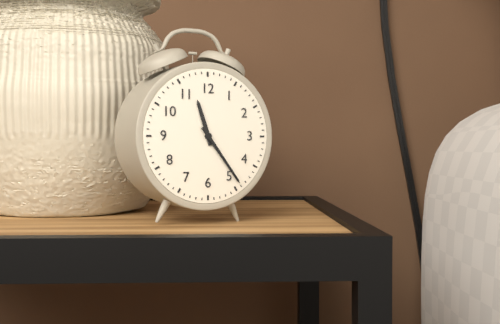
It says 11 h 24 min
